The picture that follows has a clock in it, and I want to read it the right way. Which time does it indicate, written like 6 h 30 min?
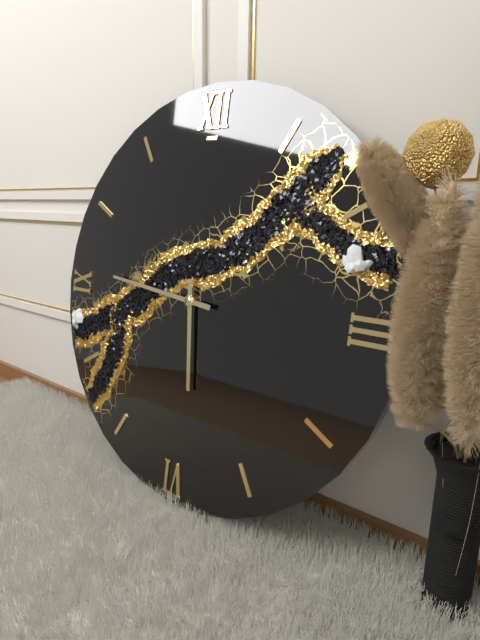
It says 5 h 46 min
